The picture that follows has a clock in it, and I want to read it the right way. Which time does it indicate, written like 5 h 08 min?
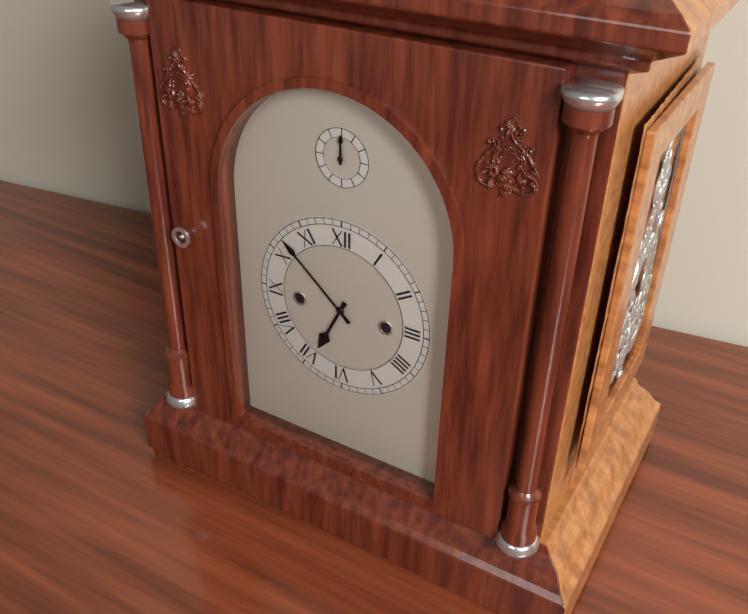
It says 6 h 52 min
